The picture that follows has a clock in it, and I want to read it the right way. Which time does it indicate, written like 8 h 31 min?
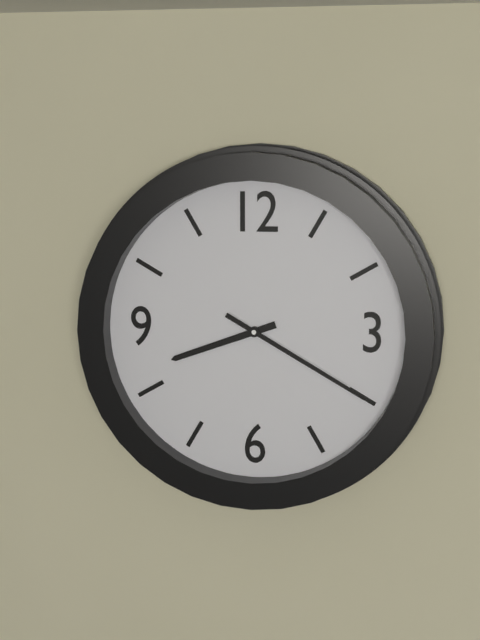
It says 8 h 20 min
